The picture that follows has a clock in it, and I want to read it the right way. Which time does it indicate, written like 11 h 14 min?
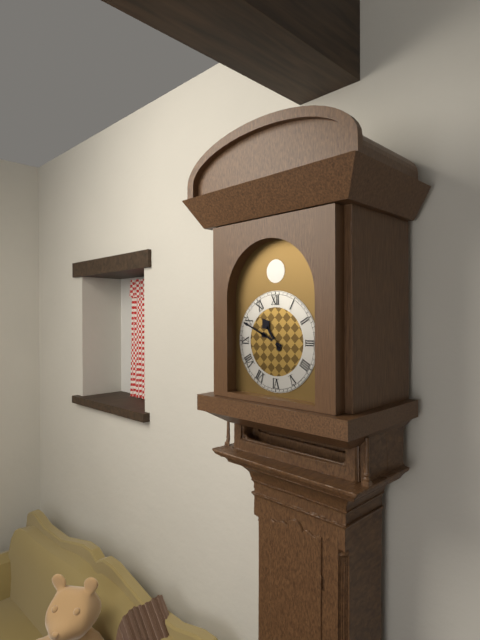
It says 10 h 49 min
